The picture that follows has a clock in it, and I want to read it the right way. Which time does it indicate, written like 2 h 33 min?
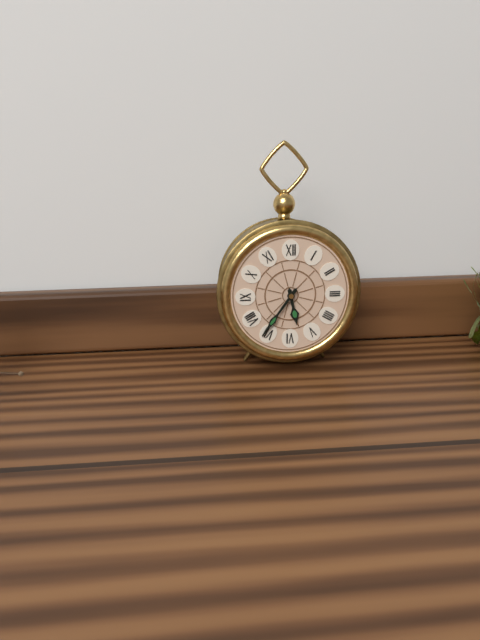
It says 5 h 36 min
